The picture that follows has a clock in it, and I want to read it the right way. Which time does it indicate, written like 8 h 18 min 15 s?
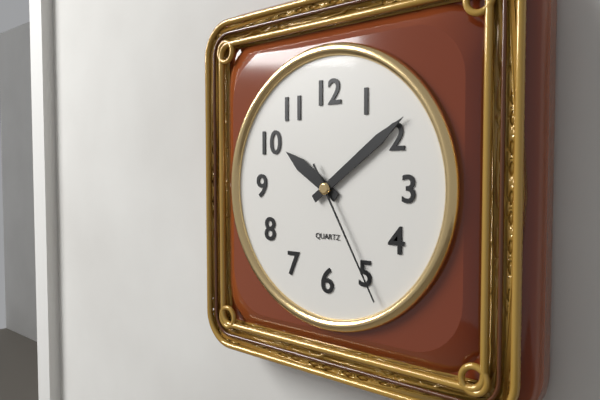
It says 10 h 09 min 25 s
